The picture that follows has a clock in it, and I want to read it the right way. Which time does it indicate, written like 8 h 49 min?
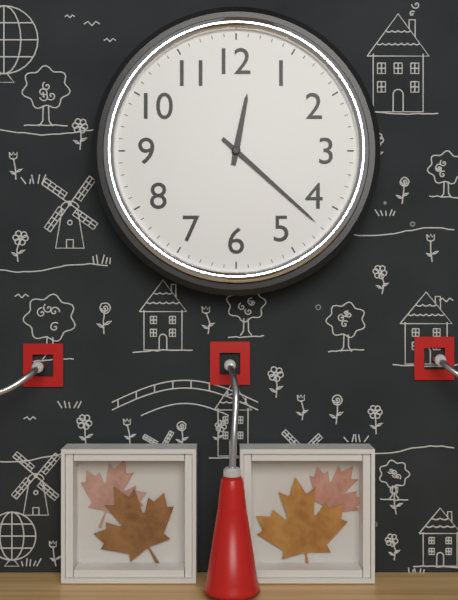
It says 12 h 22 min
